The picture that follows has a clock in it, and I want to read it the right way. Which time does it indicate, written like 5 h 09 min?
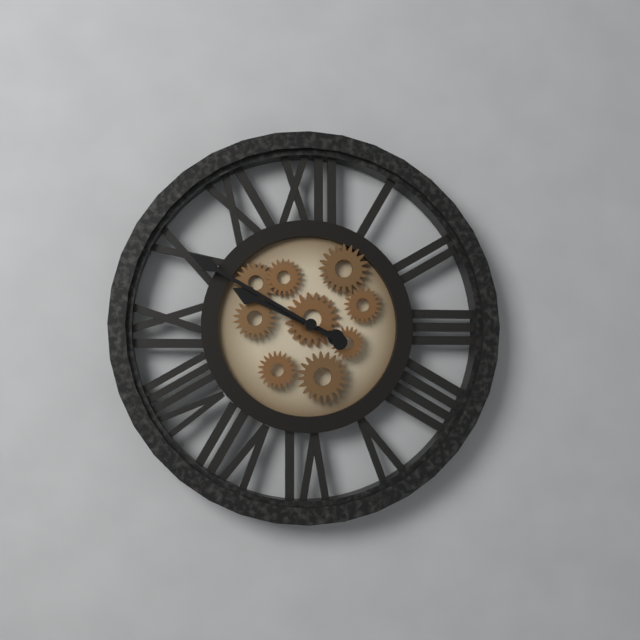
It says 9 h 50 min
